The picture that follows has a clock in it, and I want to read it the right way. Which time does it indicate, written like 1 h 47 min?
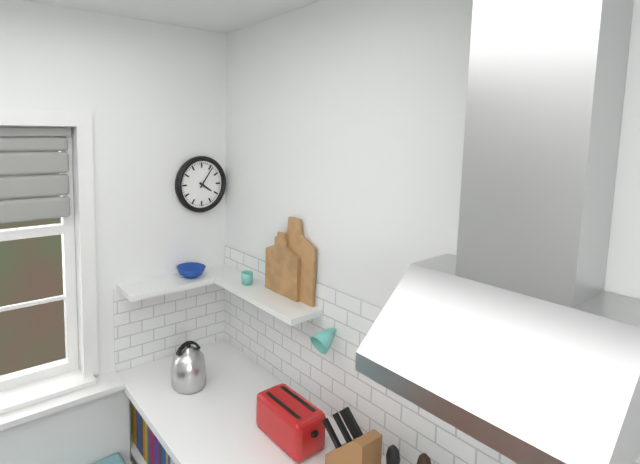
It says 4 h 06 min
